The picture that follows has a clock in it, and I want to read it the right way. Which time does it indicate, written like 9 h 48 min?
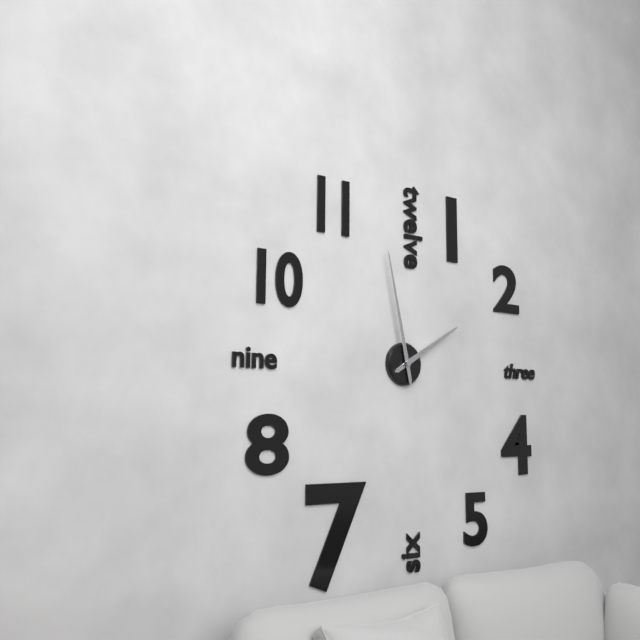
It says 1 h 58 min
